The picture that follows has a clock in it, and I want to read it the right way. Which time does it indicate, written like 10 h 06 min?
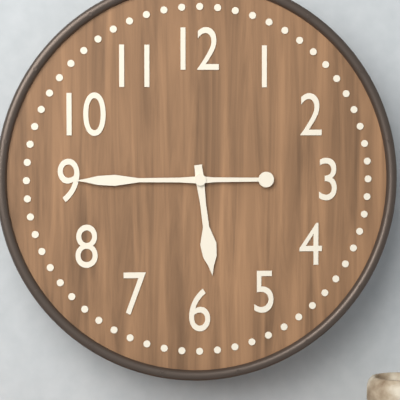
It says 5 h 45 min
